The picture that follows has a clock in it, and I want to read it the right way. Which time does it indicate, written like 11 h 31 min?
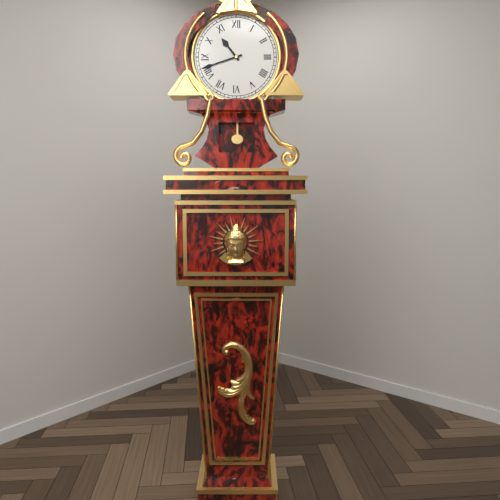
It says 10 h 42 min
